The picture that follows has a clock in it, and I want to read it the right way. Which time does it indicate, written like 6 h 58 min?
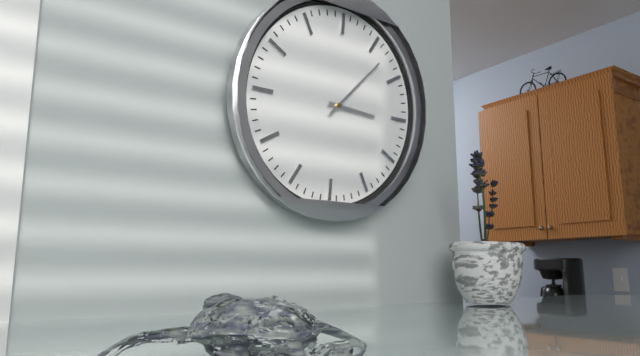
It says 3 h 07 min
